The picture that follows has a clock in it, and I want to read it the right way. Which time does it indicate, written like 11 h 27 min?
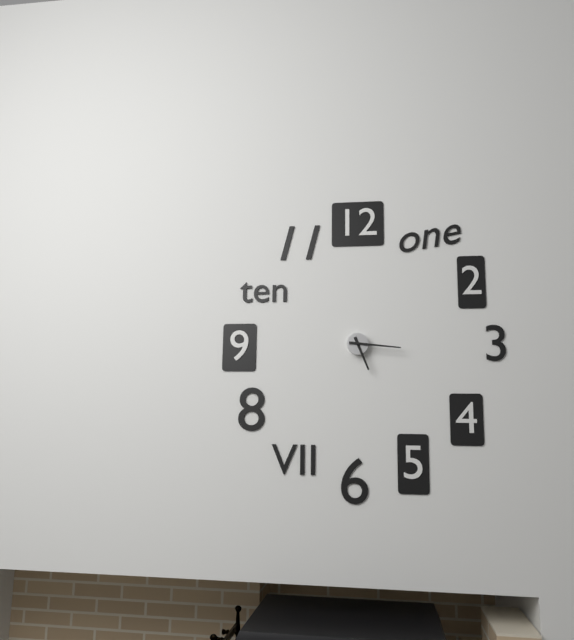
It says 5 h 16 min
